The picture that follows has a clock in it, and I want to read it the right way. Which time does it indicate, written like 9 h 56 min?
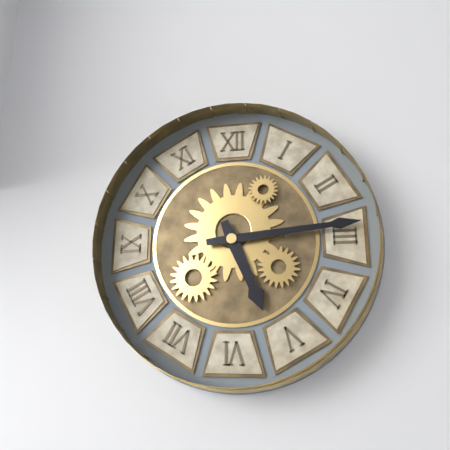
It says 5 h 14 min
